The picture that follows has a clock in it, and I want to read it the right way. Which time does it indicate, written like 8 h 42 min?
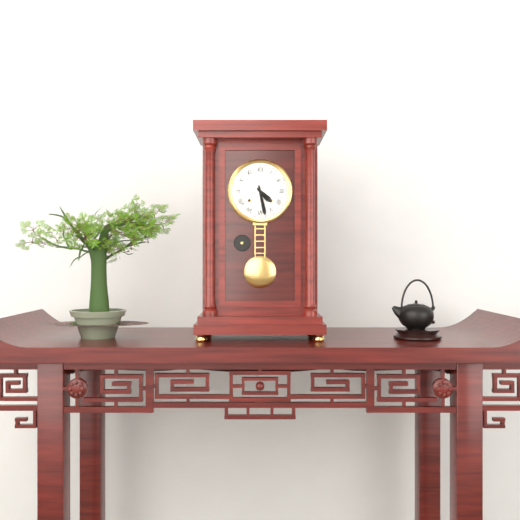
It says 4 h 28 min
